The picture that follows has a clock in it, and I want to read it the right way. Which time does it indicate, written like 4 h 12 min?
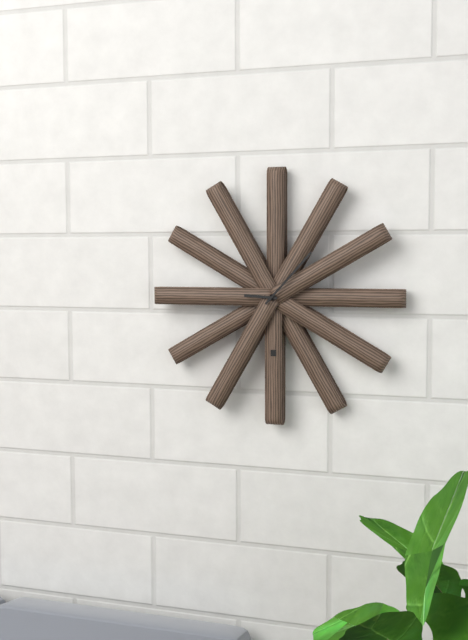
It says 9 h 07 min
